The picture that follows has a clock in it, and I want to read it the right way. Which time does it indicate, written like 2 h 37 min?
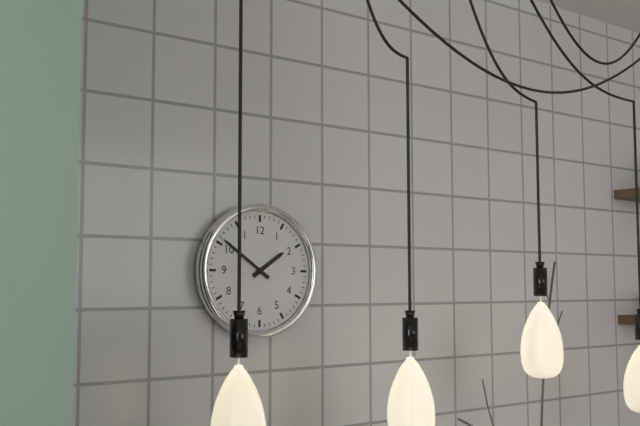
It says 1 h 51 min
